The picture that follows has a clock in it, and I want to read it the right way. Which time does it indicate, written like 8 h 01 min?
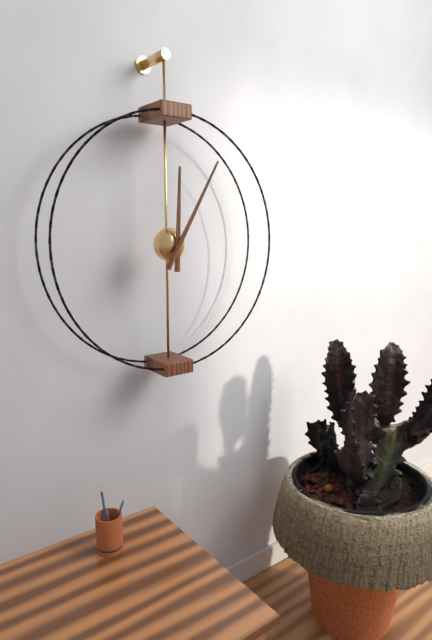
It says 12 h 05 min
